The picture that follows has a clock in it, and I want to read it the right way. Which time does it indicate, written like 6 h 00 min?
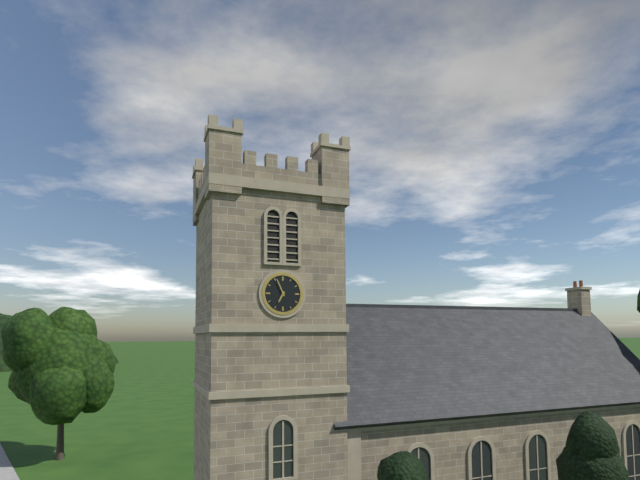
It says 6 h 56 min
